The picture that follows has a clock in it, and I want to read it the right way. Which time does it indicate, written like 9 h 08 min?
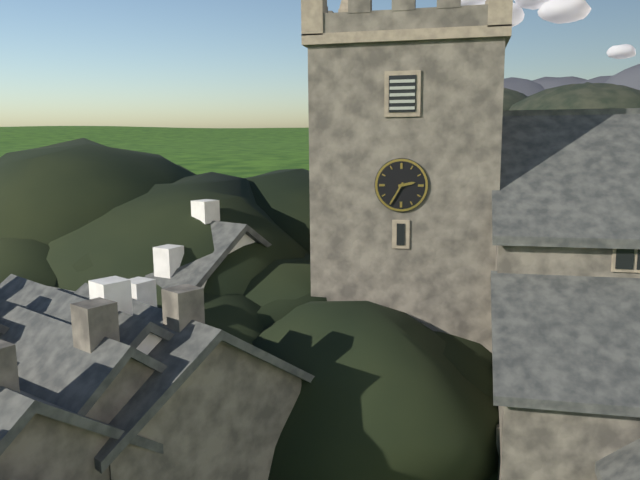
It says 2 h 35 min
